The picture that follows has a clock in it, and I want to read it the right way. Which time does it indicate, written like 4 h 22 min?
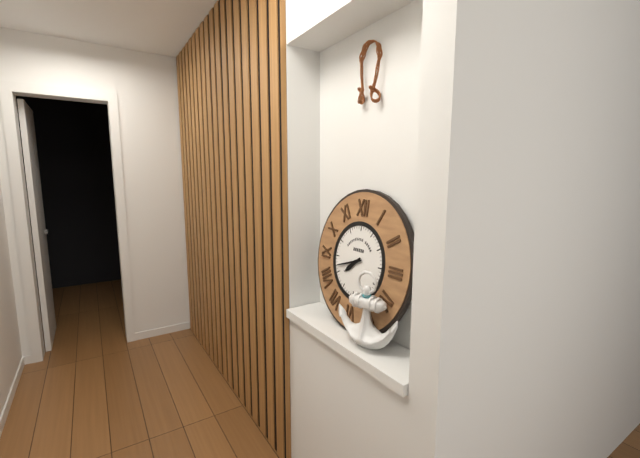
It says 7 h 42 min
